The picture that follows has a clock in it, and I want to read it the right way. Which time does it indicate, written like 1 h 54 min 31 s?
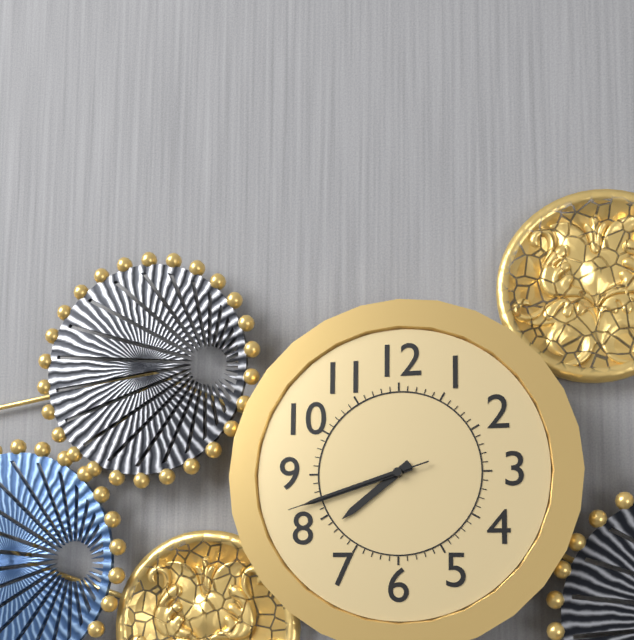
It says 7 h 42 min 42 s
